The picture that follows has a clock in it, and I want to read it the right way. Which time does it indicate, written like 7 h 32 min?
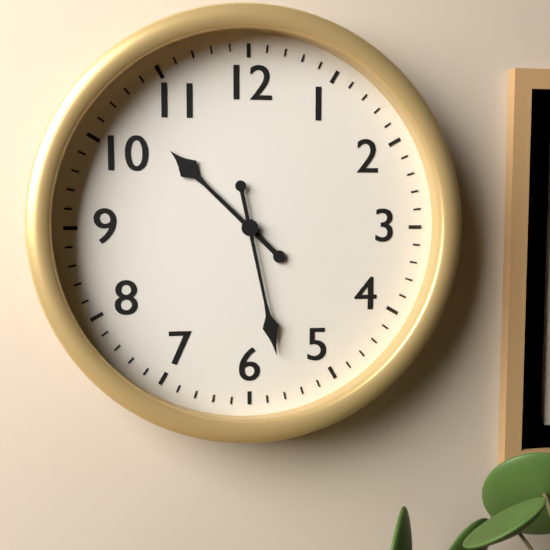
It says 10 h 28 min
